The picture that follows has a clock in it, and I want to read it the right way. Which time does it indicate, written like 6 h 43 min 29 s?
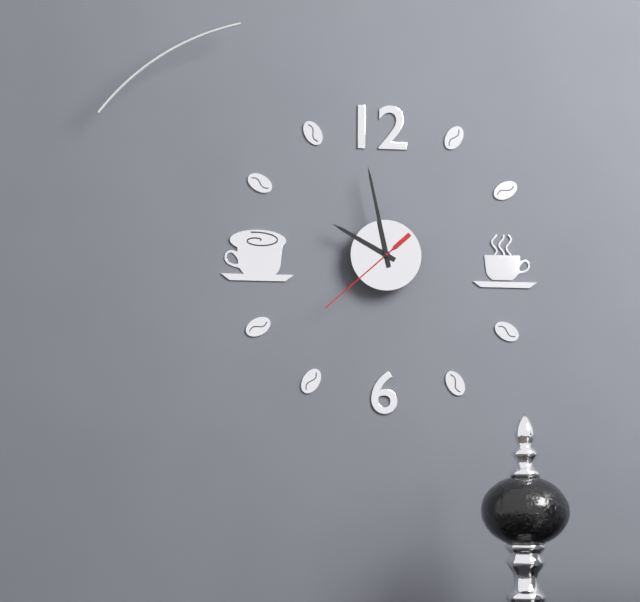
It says 9 h 58 min 38 s
